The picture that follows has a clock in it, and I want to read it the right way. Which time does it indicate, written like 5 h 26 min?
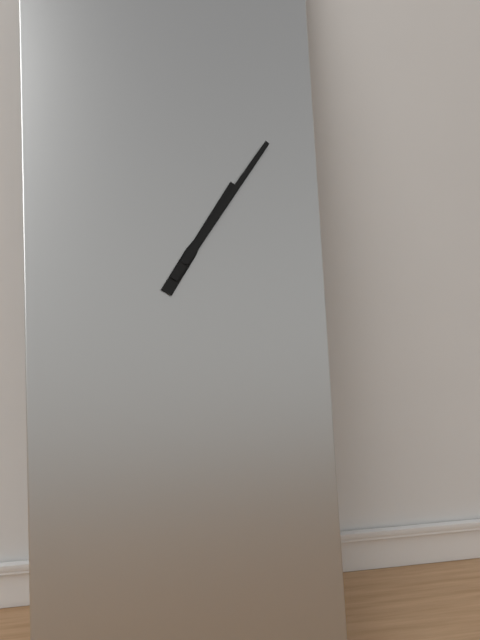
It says 1 h 06 min
